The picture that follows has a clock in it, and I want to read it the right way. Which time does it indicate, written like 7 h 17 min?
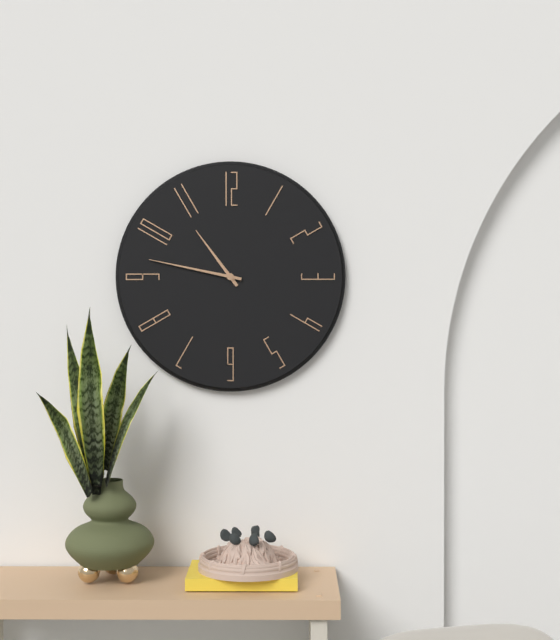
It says 10 h 47 min
